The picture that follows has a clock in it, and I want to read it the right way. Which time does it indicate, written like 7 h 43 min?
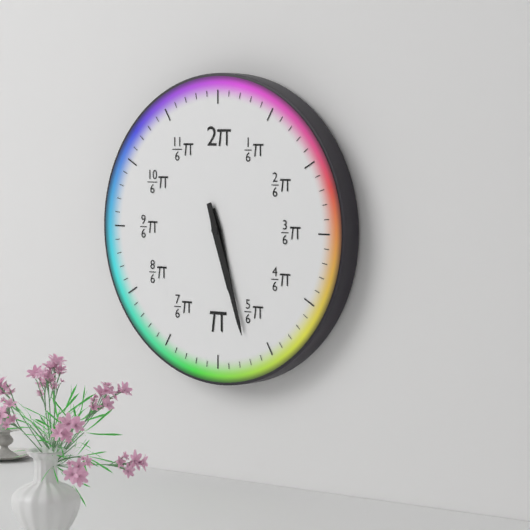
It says 5 h 27 min
